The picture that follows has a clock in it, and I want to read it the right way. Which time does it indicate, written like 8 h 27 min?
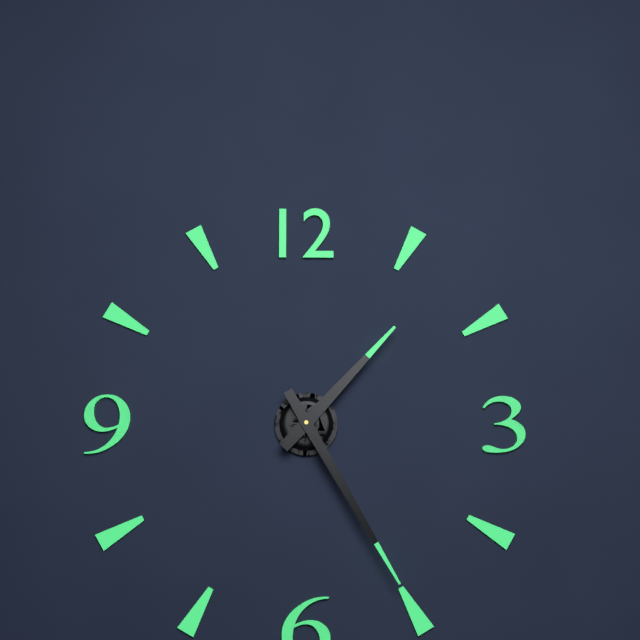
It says 1 h 25 min
